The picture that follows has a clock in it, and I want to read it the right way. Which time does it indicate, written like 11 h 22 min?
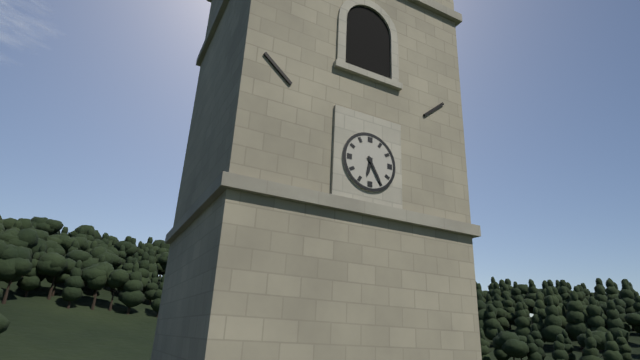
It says 6 h 25 min
